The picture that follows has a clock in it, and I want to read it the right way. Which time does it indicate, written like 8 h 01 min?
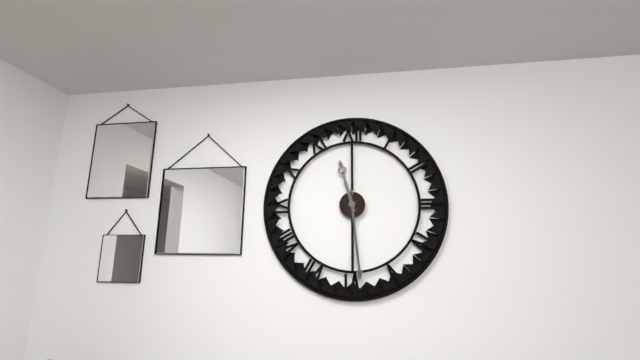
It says 11 h 29 min
